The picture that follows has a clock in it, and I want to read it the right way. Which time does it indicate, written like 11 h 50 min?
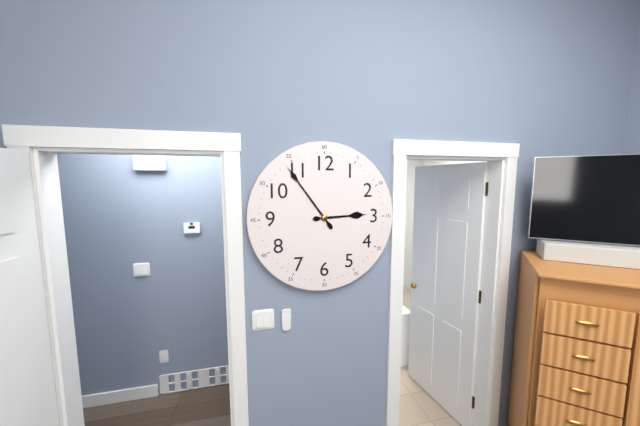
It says 2 h 54 min
